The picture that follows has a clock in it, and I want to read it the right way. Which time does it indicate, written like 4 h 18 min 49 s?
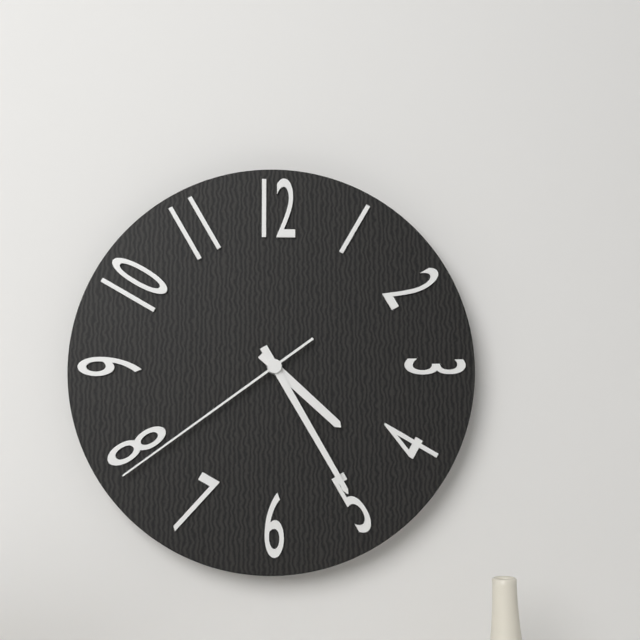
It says 4 h 25 min 39 s
